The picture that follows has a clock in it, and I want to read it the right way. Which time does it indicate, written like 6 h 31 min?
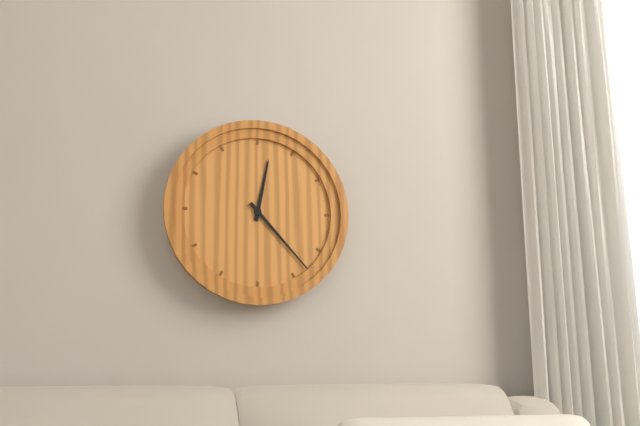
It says 12 h 23 min
